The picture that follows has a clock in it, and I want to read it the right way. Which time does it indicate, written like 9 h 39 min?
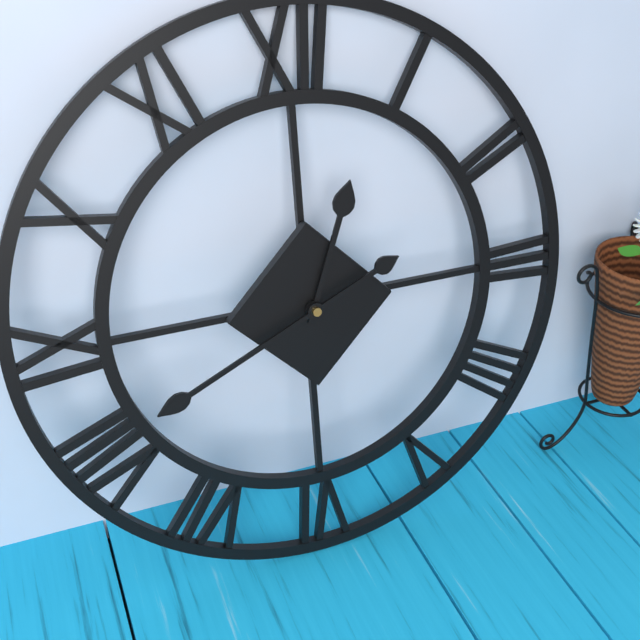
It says 12 h 41 min
